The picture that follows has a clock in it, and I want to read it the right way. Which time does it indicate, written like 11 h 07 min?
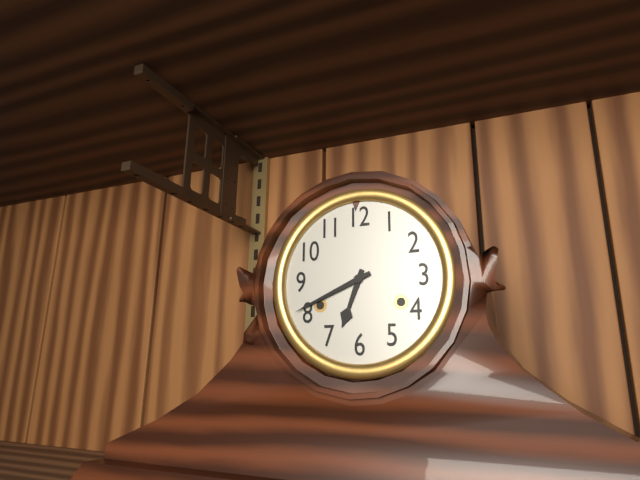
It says 6 h 41 min
